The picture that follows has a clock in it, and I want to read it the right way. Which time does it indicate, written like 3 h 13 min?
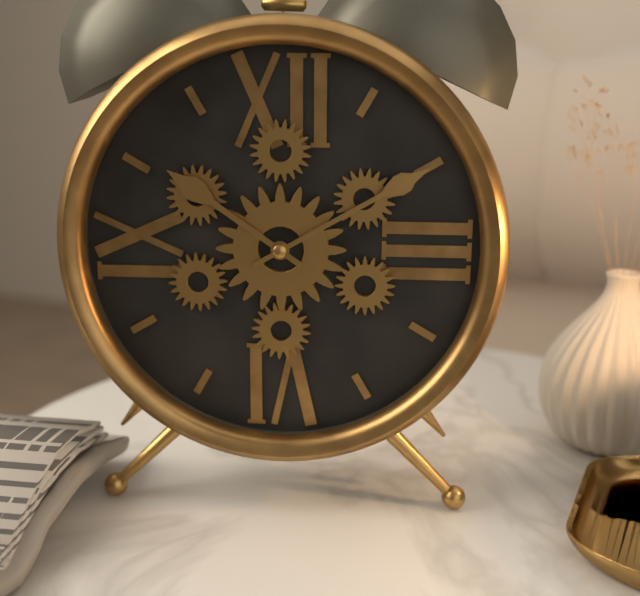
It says 10 h 10 min
